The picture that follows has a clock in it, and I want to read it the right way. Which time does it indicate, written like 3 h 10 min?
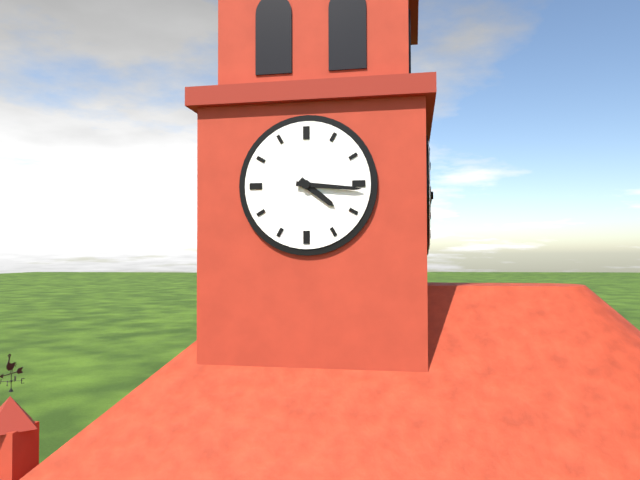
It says 4 h 16 min
